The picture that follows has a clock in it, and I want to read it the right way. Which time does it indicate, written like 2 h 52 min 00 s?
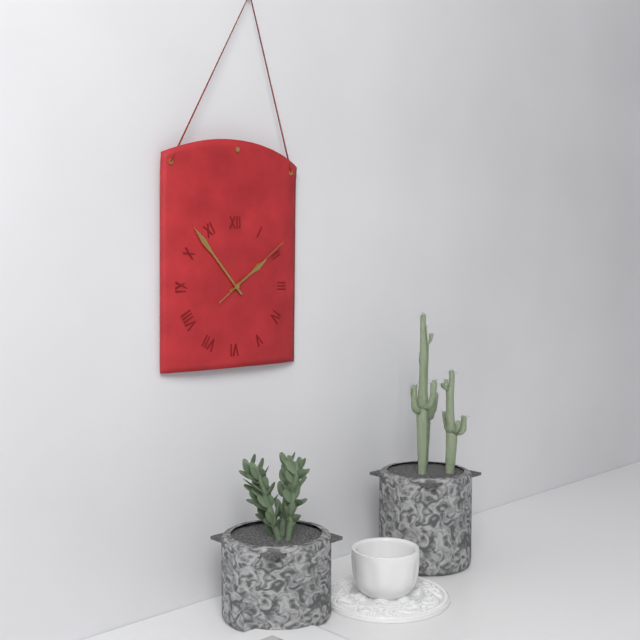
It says 1 h 53 min 09 s
